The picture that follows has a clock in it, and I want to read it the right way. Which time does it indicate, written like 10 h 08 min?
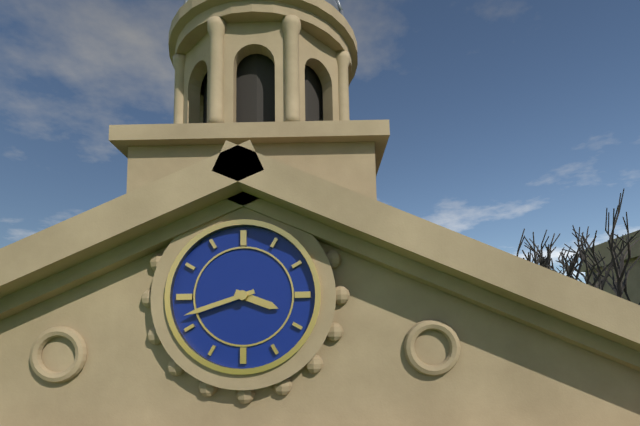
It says 3 h 42 min
